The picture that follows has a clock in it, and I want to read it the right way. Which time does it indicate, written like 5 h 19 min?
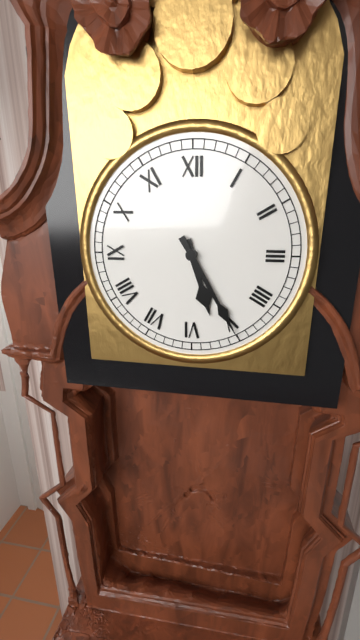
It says 5 h 25 min
